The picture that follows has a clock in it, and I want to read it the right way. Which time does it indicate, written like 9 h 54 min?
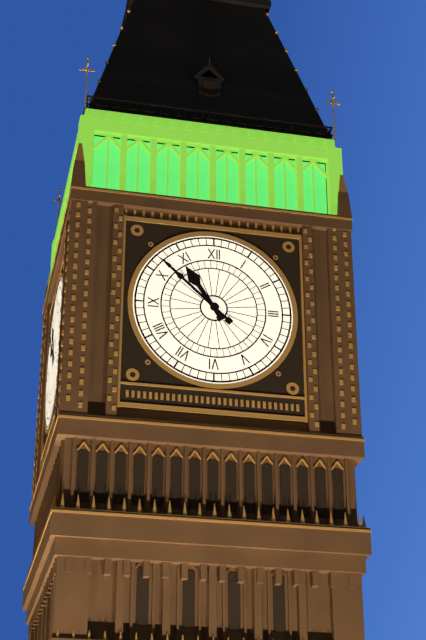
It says 10 h 52 min
